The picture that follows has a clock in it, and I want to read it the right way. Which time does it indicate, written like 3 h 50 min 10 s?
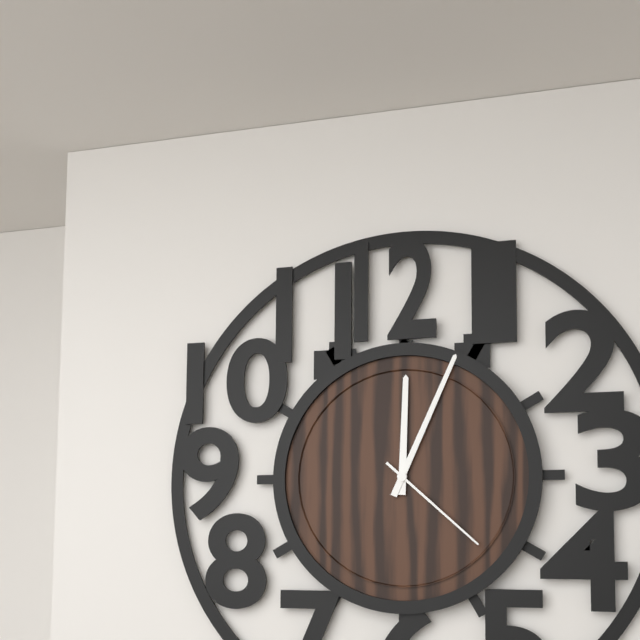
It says 12 h 04 min 22 s
